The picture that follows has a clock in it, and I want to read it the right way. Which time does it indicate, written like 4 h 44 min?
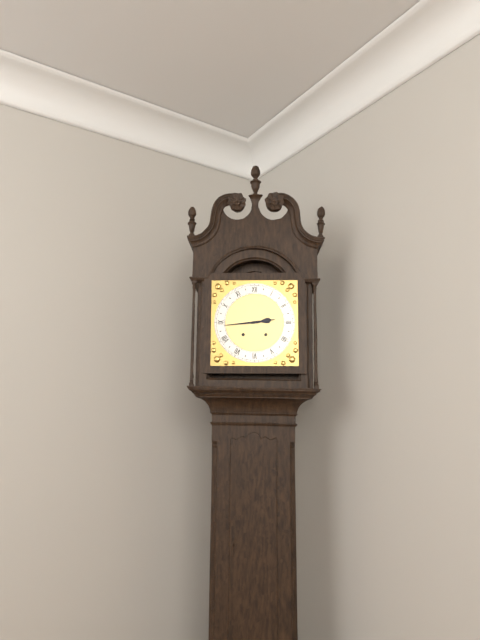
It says 2 h 44 min
